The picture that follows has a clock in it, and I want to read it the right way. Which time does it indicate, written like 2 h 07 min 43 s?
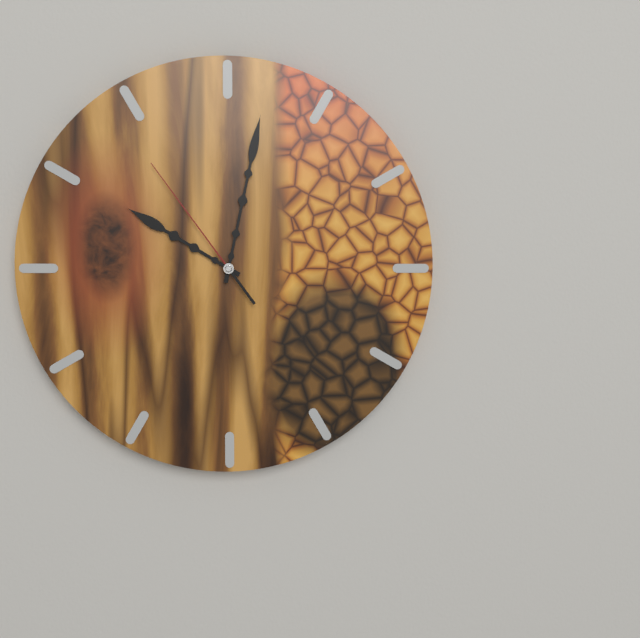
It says 10 h 02 min 54 s
